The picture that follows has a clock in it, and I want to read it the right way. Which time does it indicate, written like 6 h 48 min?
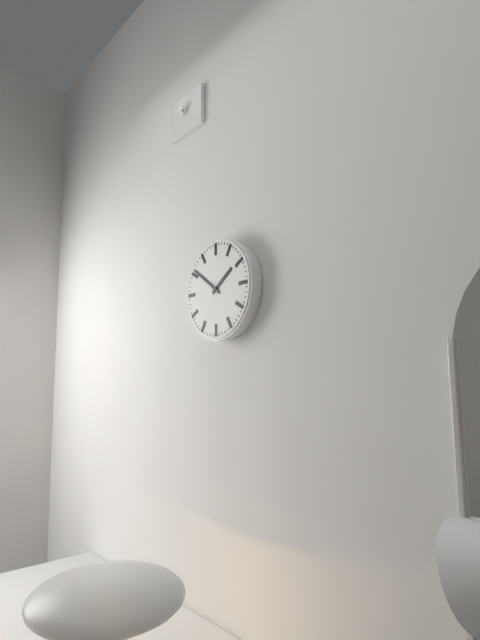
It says 1 h 51 min
